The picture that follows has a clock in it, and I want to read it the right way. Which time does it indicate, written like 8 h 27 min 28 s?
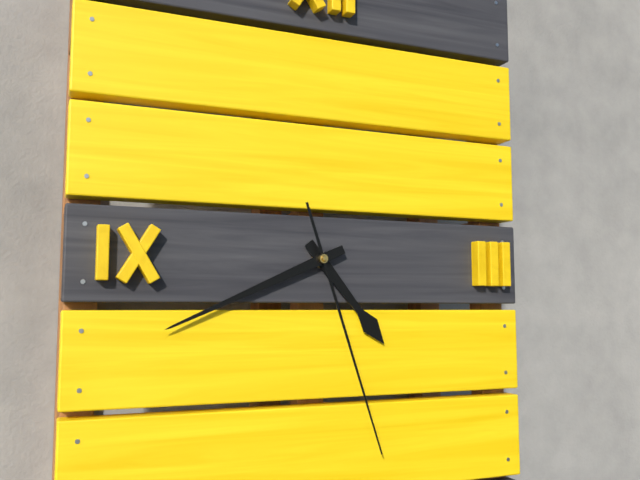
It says 4 h 41 min 27 s
